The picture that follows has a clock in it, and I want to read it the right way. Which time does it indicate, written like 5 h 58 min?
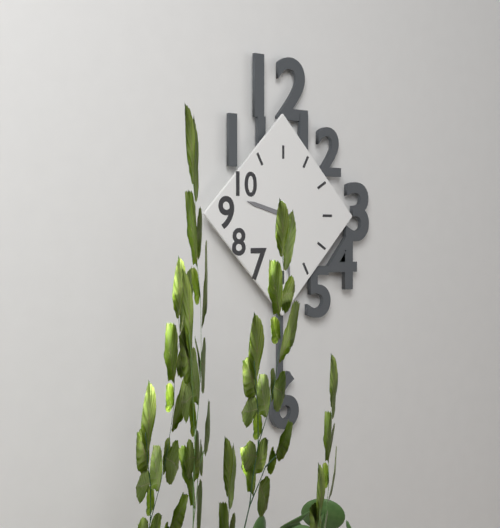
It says 9 h 29 min
